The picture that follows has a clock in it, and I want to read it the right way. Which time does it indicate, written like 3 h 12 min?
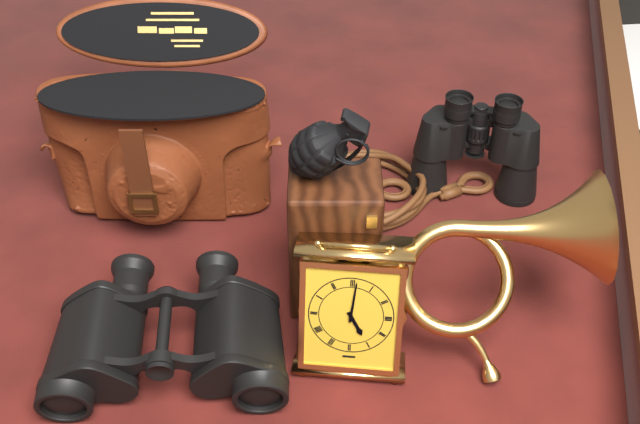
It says 5 h 01 min
